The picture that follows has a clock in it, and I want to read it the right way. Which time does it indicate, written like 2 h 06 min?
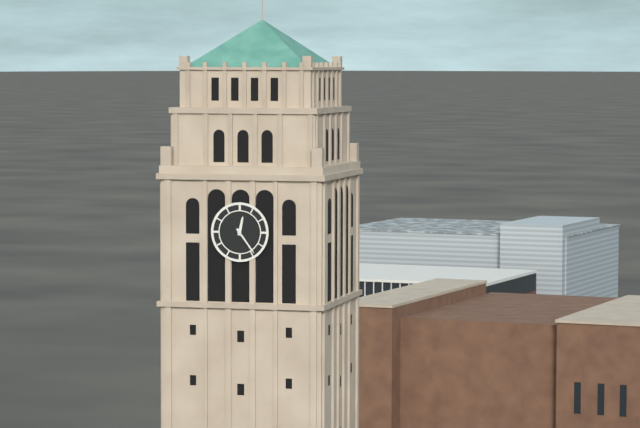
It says 12 h 24 min
